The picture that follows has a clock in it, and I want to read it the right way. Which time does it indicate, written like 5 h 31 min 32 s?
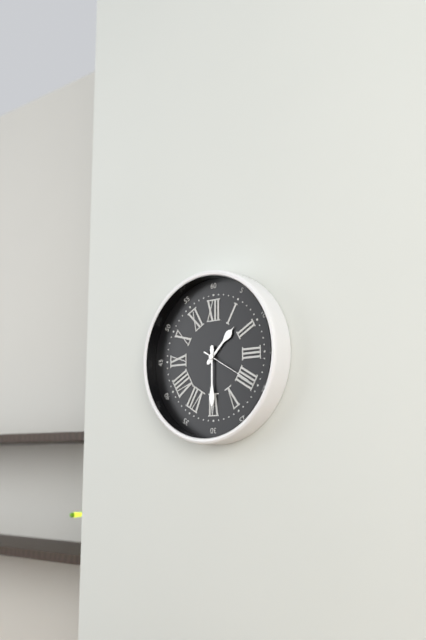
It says 1 h 30 min 20 s
